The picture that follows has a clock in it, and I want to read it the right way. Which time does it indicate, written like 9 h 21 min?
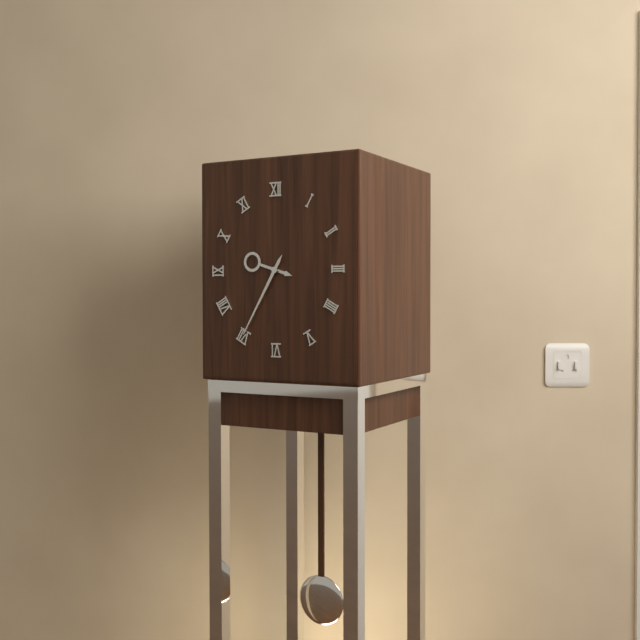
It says 9 h 35 min
